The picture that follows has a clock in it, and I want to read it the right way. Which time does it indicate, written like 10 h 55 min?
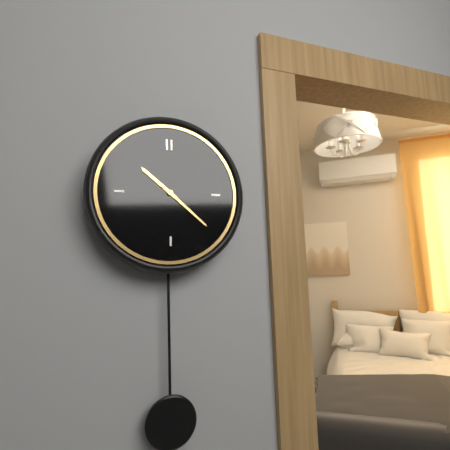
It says 10 h 22 min
